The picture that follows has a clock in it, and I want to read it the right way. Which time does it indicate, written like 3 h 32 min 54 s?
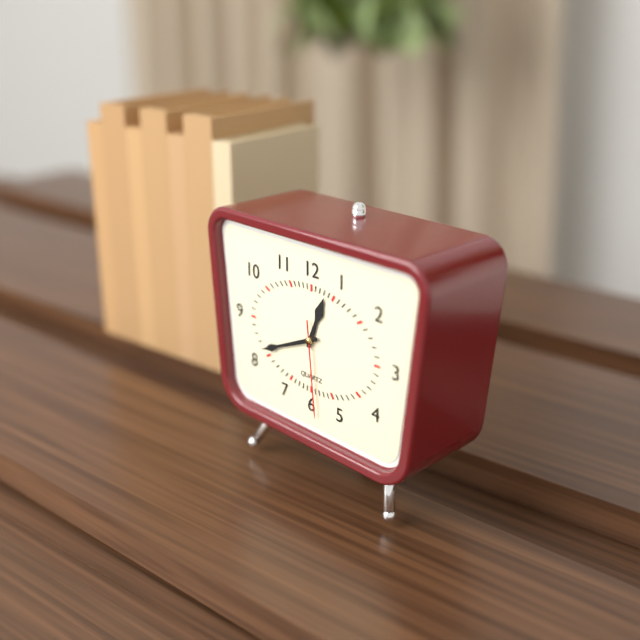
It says 12 h 41 min 29 s
